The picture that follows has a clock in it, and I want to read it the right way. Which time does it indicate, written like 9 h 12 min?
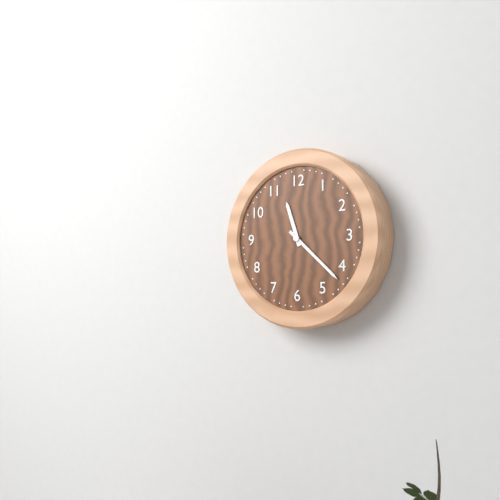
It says 11 h 22 min
